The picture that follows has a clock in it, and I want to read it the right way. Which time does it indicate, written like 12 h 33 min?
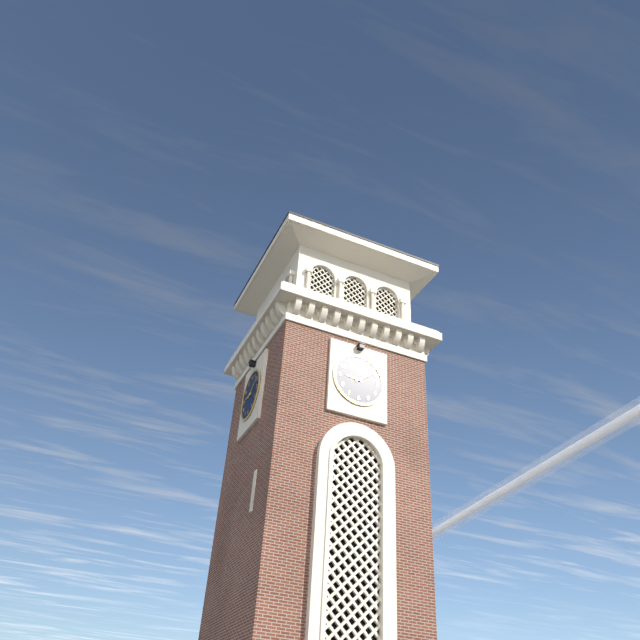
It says 9 h 09 min
